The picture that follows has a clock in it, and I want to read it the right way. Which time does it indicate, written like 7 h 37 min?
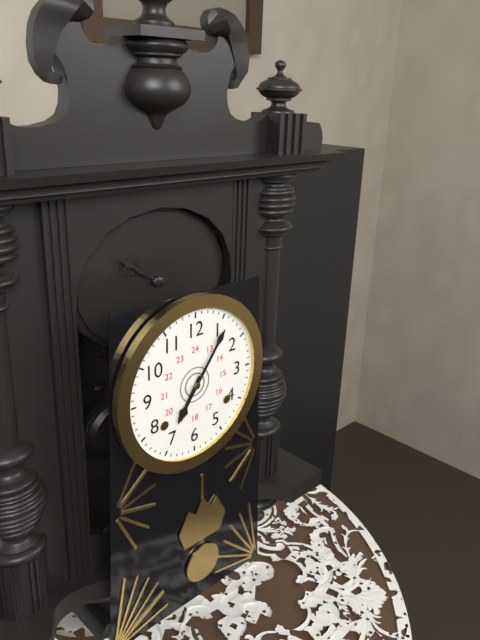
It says 7 h 06 min
